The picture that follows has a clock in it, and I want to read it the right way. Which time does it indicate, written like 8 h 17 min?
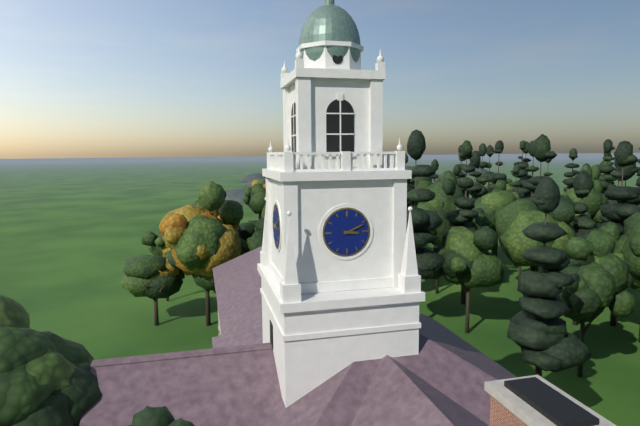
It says 3 h 11 min
